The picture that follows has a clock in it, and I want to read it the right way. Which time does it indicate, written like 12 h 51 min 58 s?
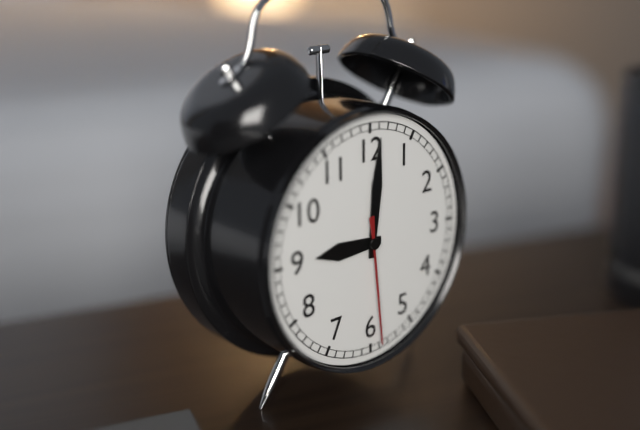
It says 9 h 01 min 29 s
